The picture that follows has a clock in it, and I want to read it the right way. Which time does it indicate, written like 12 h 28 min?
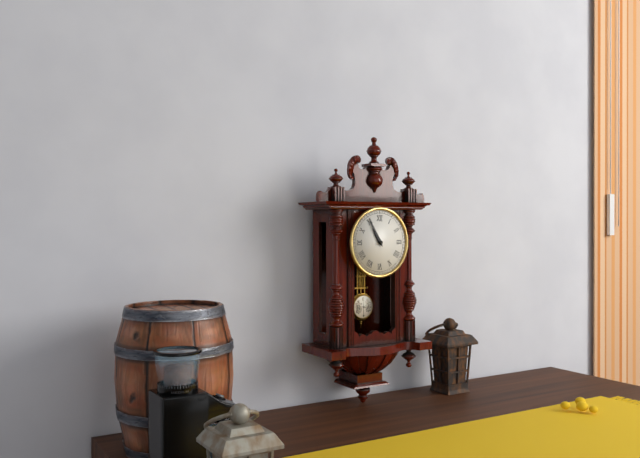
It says 10 h 55 min
